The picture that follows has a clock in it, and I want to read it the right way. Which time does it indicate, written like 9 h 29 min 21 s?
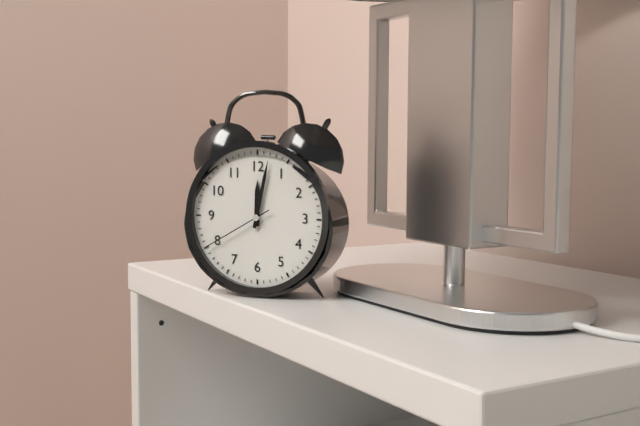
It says 12 h 02 min 40 s
